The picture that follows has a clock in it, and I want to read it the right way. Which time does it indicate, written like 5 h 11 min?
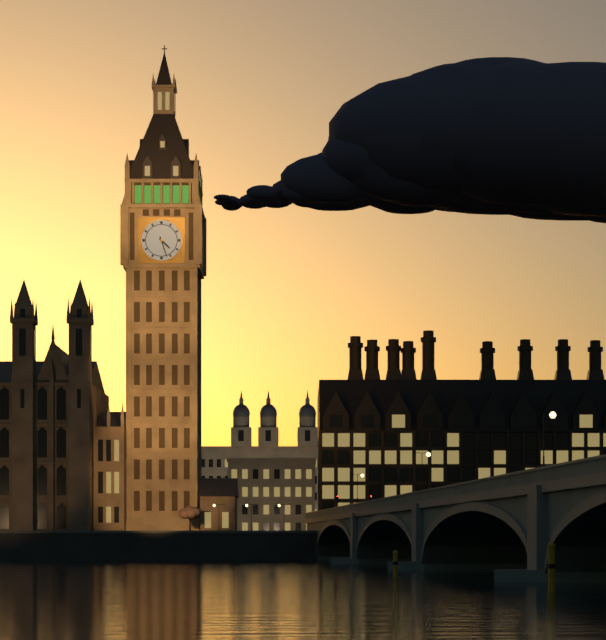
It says 4 h 27 min
